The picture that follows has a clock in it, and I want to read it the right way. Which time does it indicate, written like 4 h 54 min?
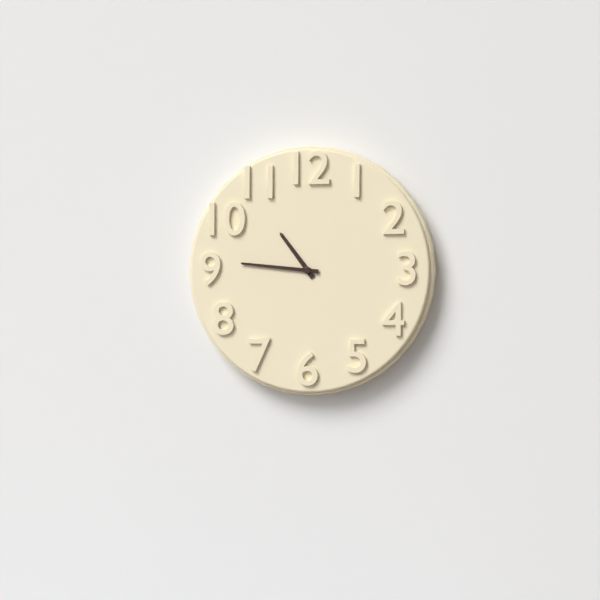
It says 10 h 46 min
